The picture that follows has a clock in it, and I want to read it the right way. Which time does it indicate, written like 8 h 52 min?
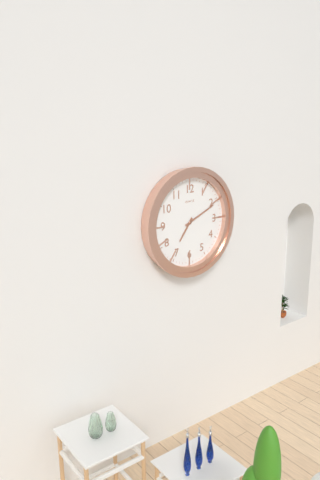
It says 7 h 11 min
